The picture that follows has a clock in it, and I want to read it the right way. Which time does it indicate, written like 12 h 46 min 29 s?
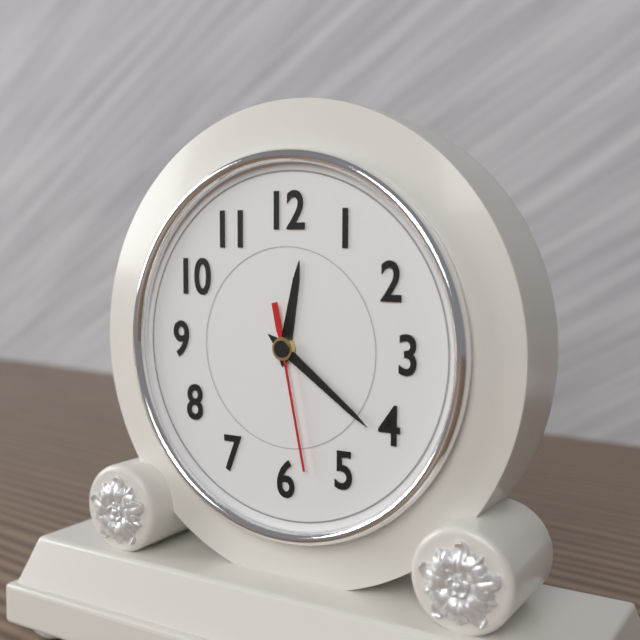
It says 12 h 21 min 28 s
